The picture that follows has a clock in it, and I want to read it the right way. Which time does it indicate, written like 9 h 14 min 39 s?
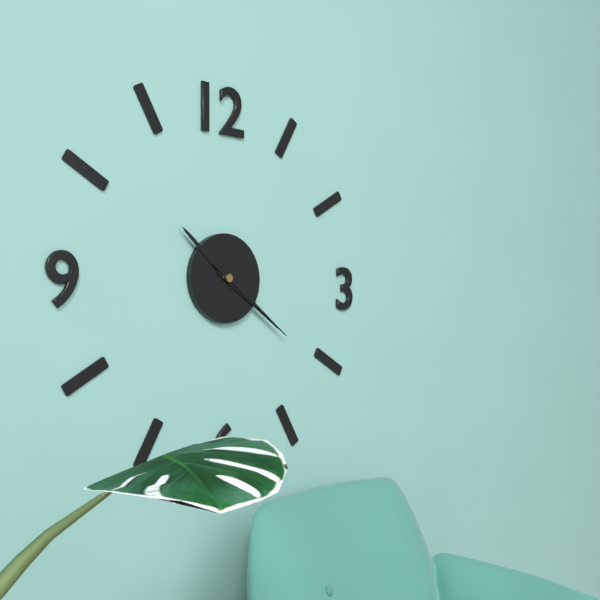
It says 10 h 21 min 21 s
